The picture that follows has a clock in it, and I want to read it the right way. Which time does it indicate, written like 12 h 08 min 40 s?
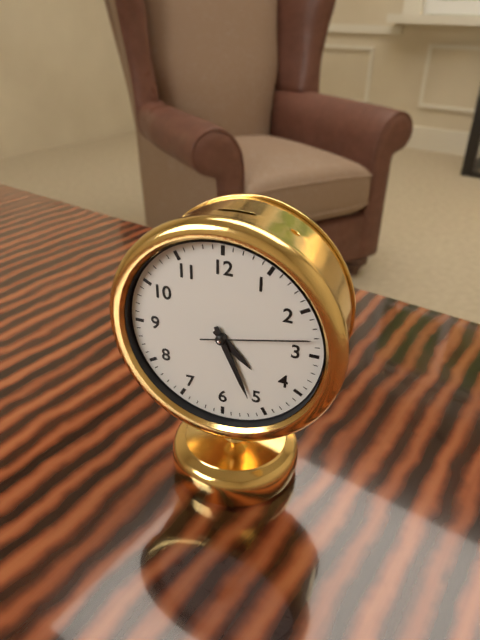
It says 4 h 26 min 13 s
